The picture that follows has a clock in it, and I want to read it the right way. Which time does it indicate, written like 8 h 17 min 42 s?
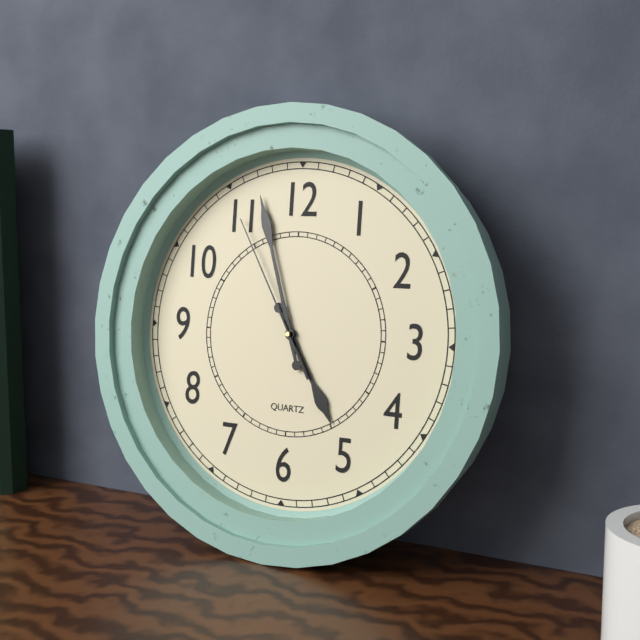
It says 4 h 57 min 55 s
